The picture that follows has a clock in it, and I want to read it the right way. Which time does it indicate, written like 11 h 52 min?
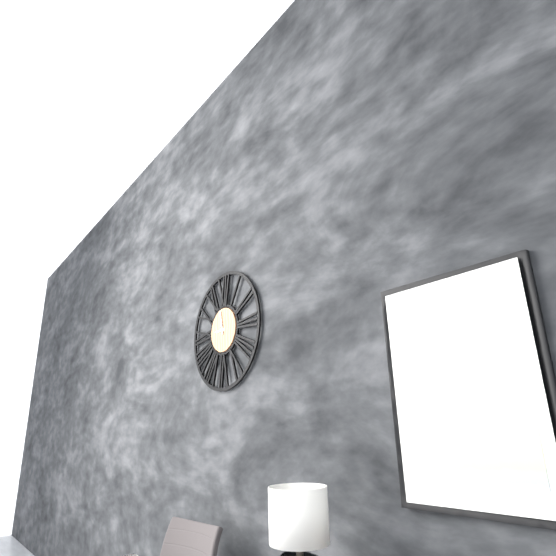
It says 8 h 58 min
